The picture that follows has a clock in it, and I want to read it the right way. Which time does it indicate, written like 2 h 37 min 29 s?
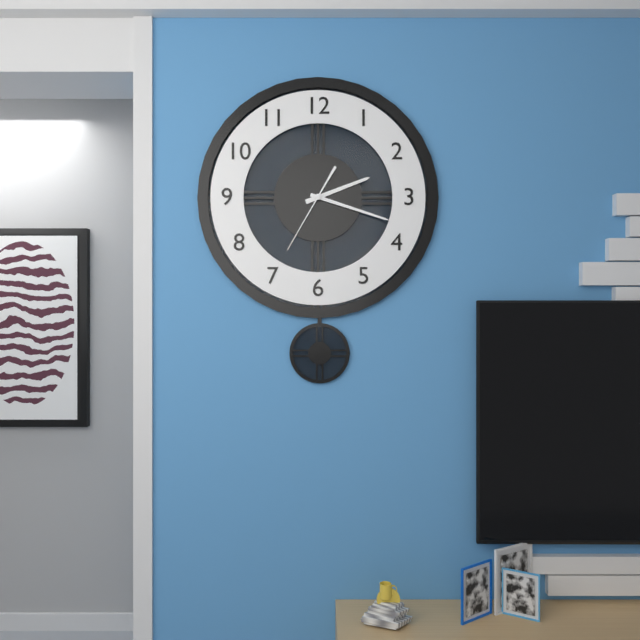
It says 2 h 18 min 35 s
